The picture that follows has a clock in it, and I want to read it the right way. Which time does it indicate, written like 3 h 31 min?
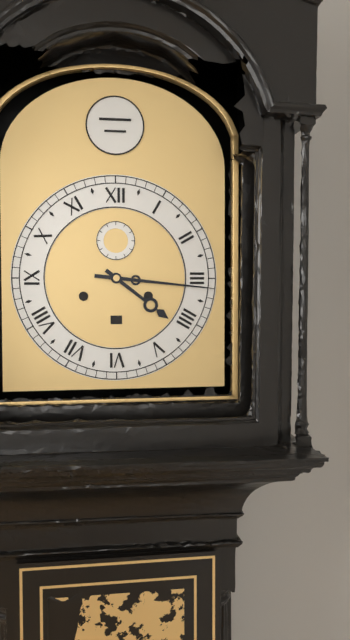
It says 4 h 16 min
